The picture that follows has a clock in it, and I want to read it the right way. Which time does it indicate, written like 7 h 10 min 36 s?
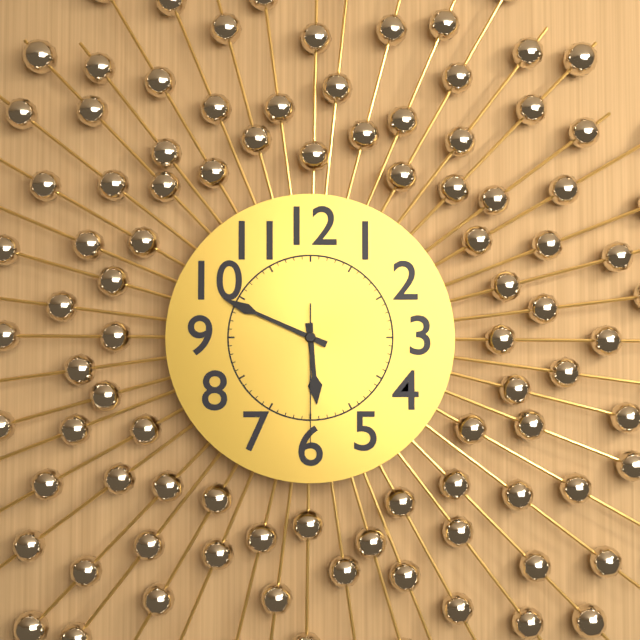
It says 5 h 49 min 30 s
